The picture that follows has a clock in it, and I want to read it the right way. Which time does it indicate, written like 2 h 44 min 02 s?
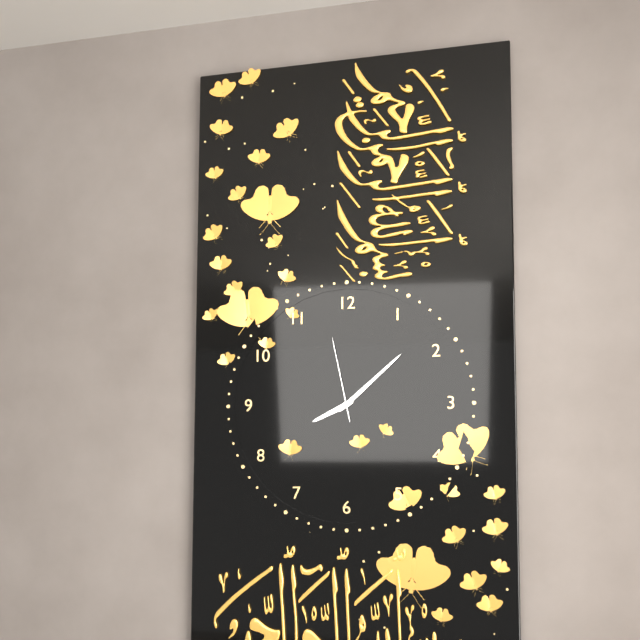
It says 8 h 08 min 58 s
